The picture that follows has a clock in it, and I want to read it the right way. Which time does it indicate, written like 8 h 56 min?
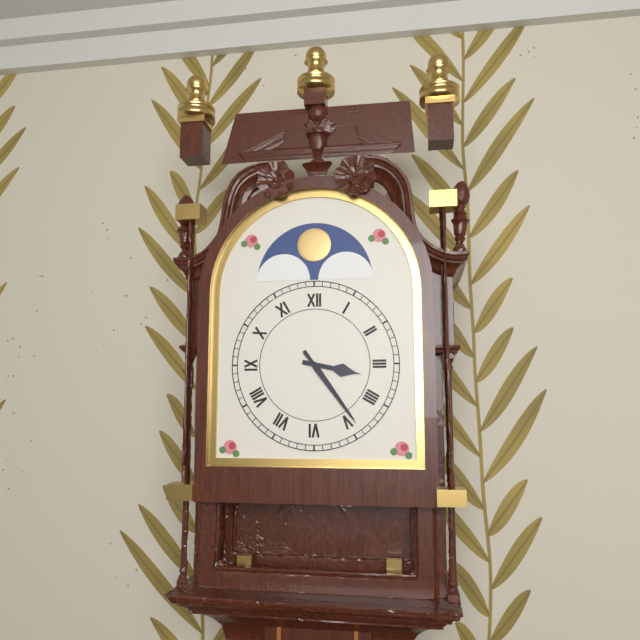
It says 3 h 24 min
